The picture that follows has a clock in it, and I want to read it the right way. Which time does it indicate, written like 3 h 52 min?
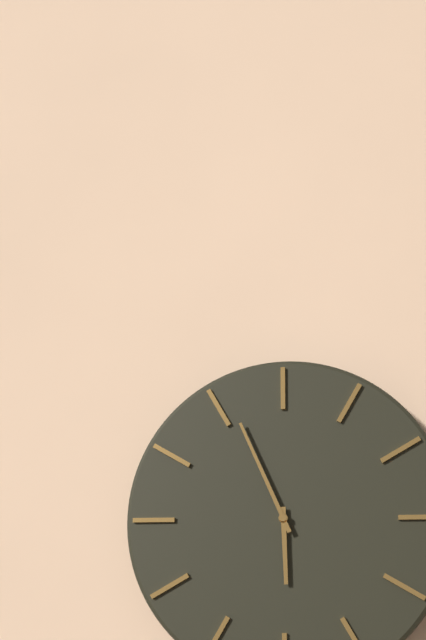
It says 5 h 56 min
